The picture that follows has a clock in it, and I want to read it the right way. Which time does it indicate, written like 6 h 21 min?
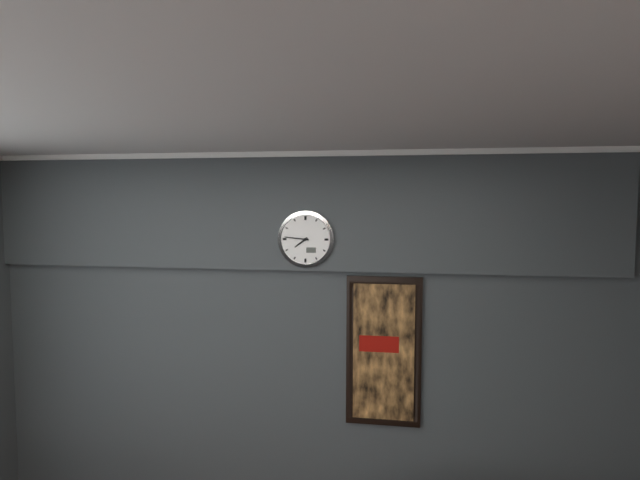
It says 7 h 46 min
